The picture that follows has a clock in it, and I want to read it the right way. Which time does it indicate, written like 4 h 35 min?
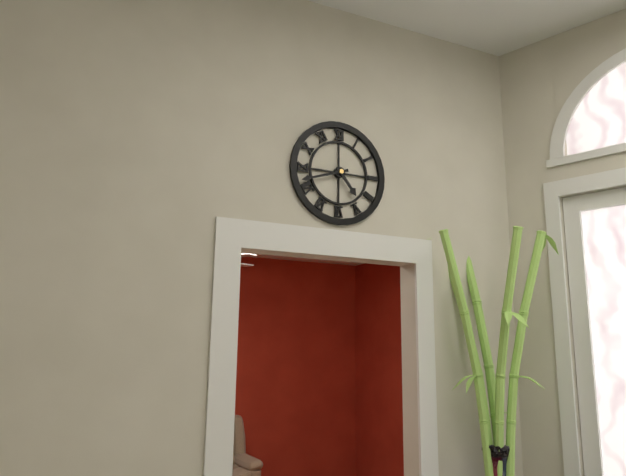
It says 4 h 42 min
